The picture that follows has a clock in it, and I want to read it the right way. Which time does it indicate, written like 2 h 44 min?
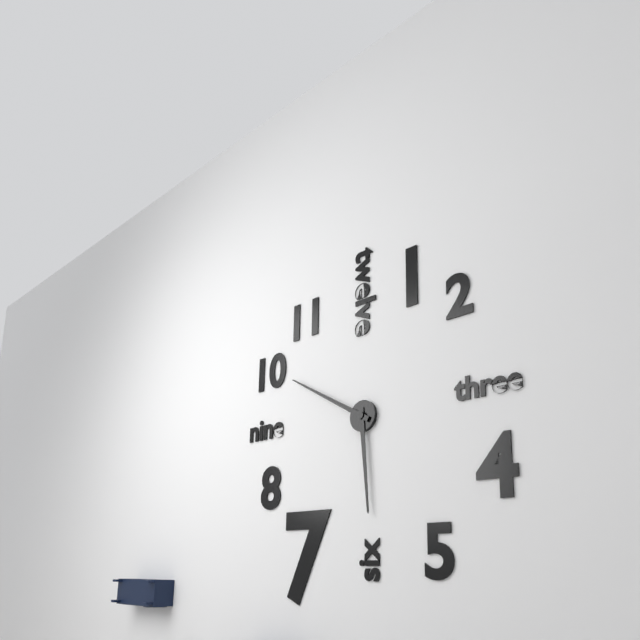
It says 5 h 50 min
